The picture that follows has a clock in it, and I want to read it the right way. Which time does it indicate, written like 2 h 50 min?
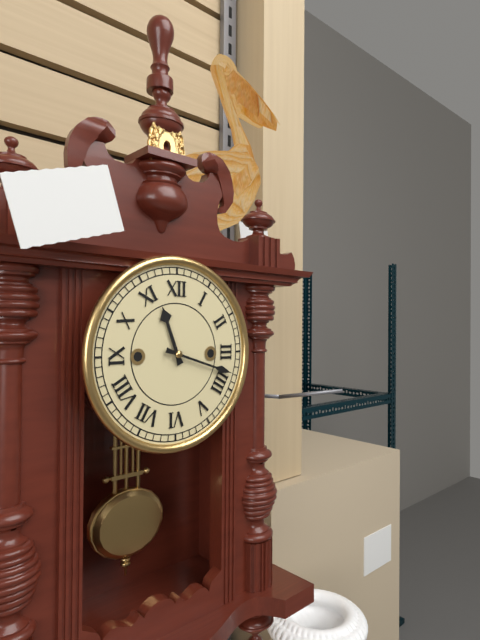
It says 11 h 18 min
